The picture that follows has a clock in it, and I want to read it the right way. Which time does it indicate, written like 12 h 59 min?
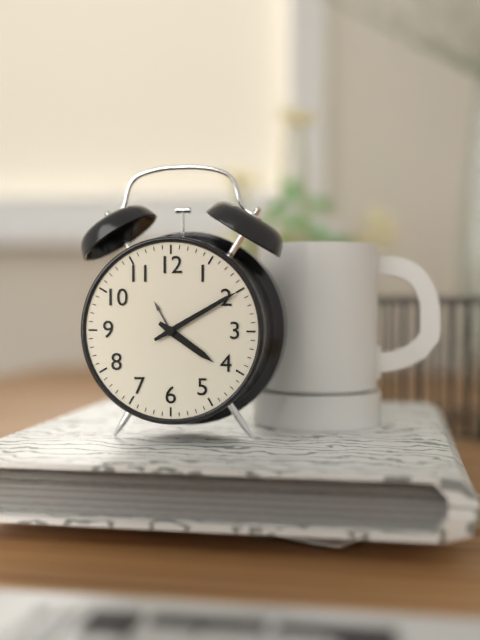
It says 4 h 10 min
